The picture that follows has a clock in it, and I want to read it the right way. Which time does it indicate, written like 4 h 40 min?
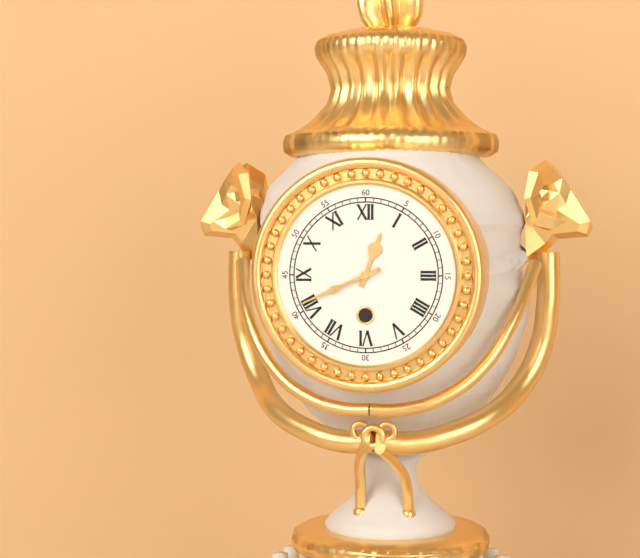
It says 12 h 41 min
